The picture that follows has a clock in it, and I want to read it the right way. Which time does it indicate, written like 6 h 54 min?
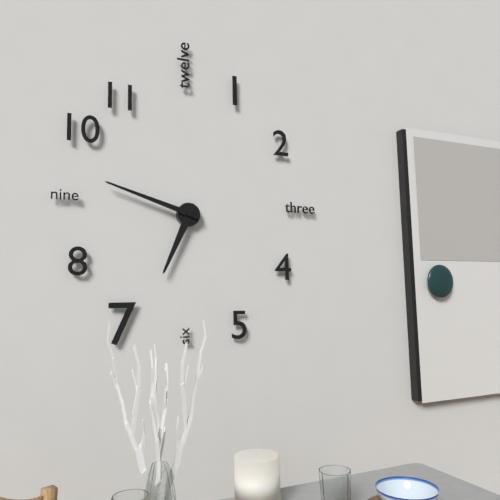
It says 6 h 48 min
